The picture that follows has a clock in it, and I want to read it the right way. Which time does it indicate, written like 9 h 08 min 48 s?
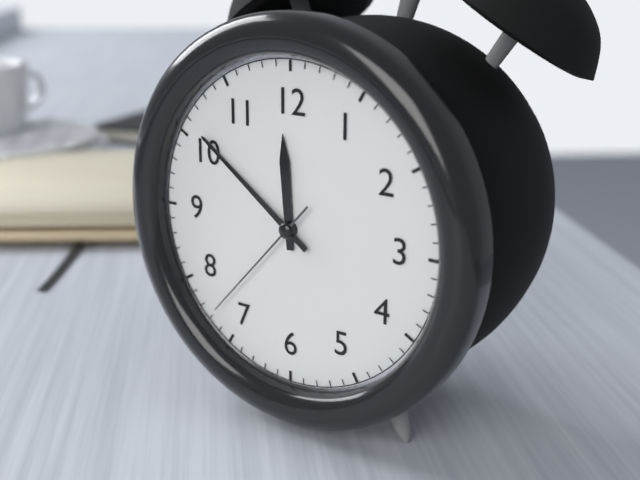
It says 11 h 51 min 37 s
